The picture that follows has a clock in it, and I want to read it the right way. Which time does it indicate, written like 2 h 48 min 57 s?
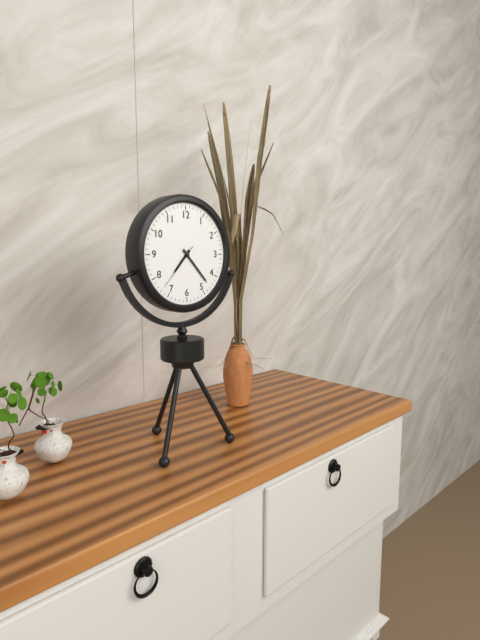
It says 7 h 23 min 37 s
